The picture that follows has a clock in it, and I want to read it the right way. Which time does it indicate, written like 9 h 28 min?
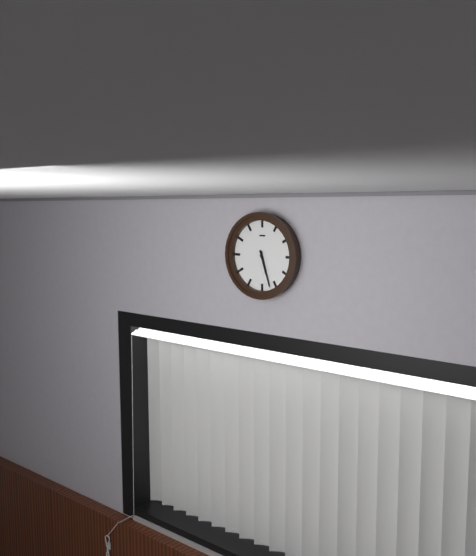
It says 5 h 27 min
